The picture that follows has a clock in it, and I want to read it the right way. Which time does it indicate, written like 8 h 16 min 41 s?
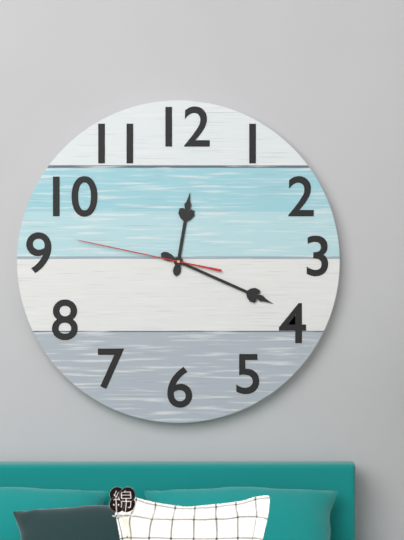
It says 12 h 19 min 47 s
